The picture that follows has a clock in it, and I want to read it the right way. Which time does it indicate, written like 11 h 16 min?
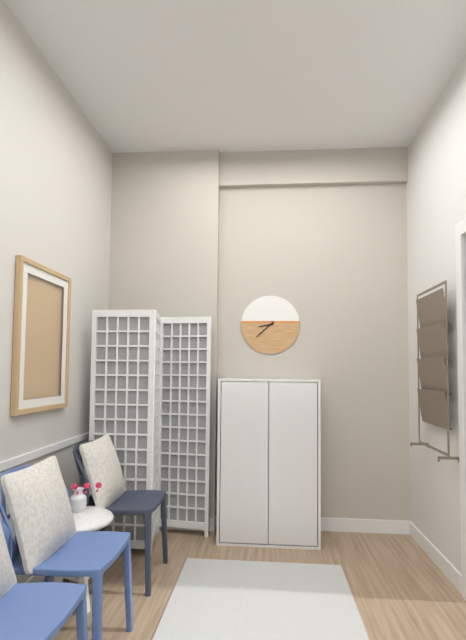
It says 8 h 38 min
